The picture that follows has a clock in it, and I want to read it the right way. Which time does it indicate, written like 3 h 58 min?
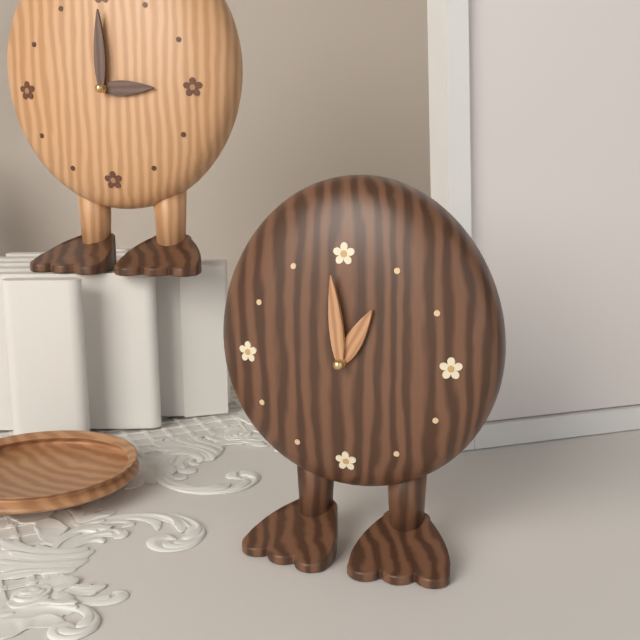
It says 12 h 59 min
